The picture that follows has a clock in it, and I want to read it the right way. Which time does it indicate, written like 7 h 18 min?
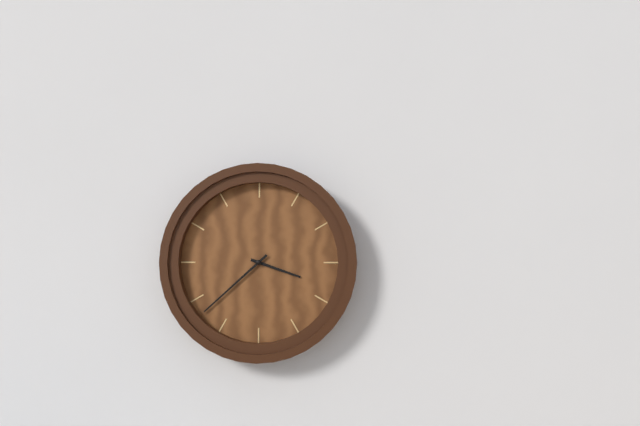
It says 3 h 38 min
